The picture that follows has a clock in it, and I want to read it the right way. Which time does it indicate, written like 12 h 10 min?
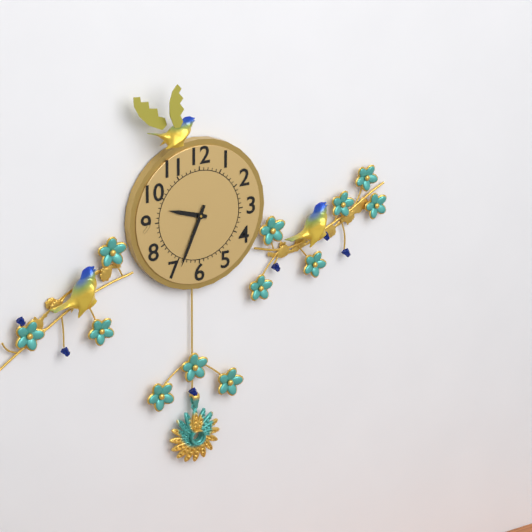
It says 9 h 34 min
